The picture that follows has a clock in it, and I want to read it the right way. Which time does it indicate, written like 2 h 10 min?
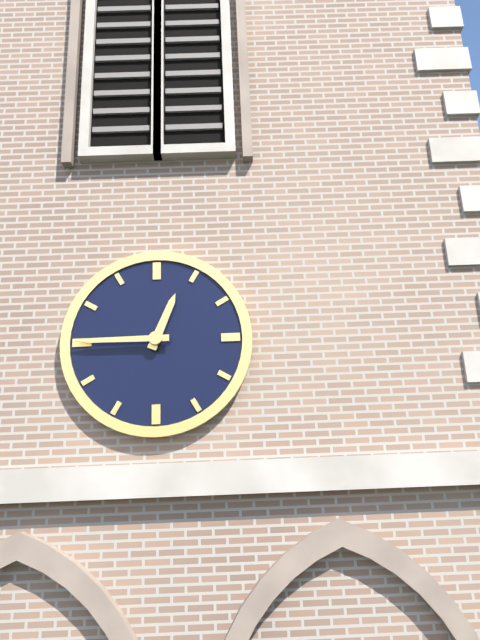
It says 12 h 45 min
